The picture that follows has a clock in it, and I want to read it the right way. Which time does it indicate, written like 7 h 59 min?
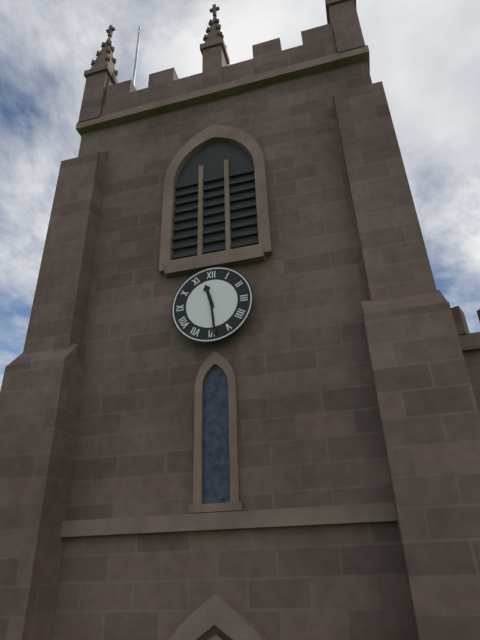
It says 11 h 29 min
